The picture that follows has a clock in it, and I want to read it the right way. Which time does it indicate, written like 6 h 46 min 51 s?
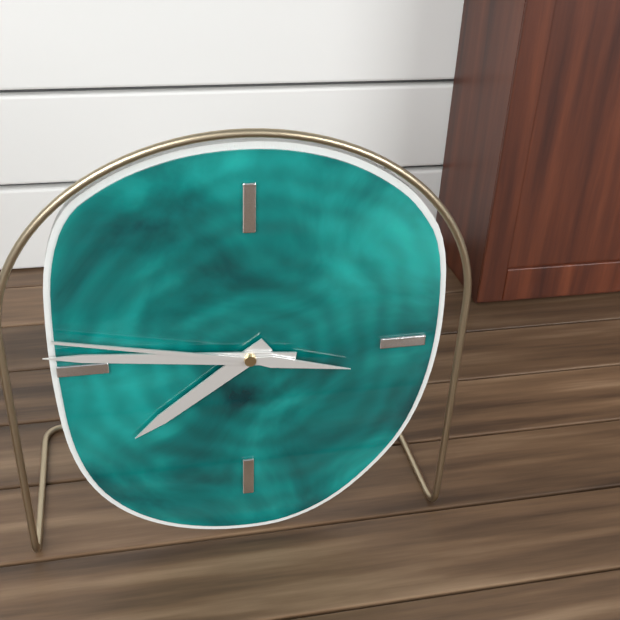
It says 7 h 46 min 47 s
